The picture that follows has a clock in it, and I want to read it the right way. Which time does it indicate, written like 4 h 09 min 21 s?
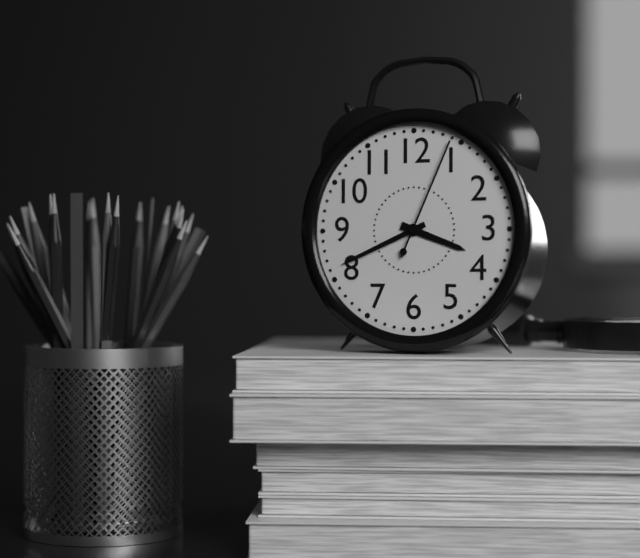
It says 3 h 41 min 04 s
